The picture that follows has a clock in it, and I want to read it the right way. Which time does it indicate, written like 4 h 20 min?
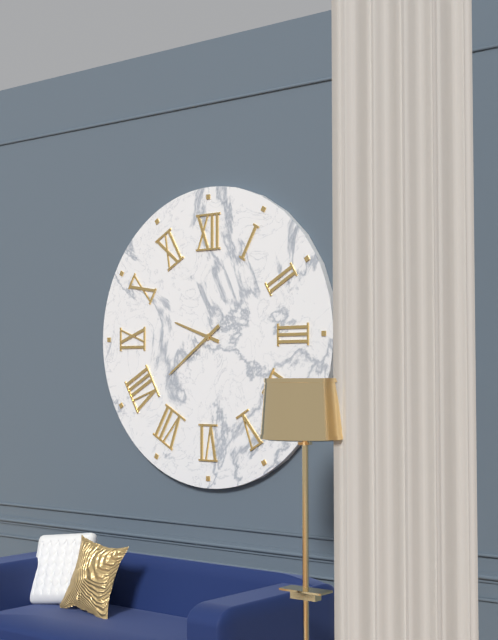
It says 9 h 39 min
